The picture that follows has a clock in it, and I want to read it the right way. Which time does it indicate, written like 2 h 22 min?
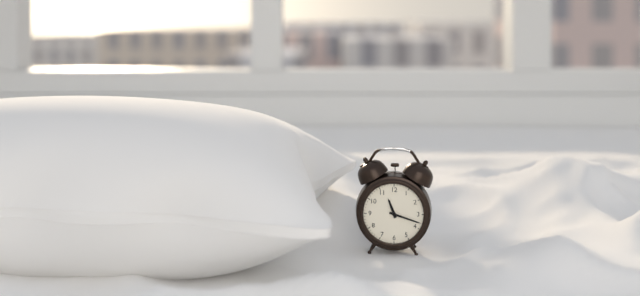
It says 11 h 18 min
